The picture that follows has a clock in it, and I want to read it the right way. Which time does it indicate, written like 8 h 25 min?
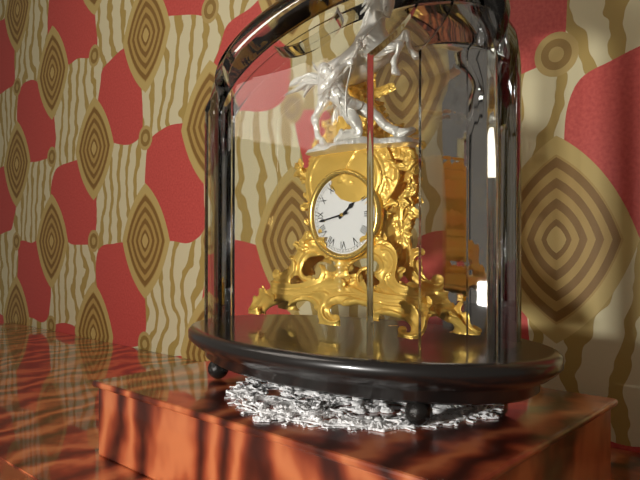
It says 1 h 43 min
